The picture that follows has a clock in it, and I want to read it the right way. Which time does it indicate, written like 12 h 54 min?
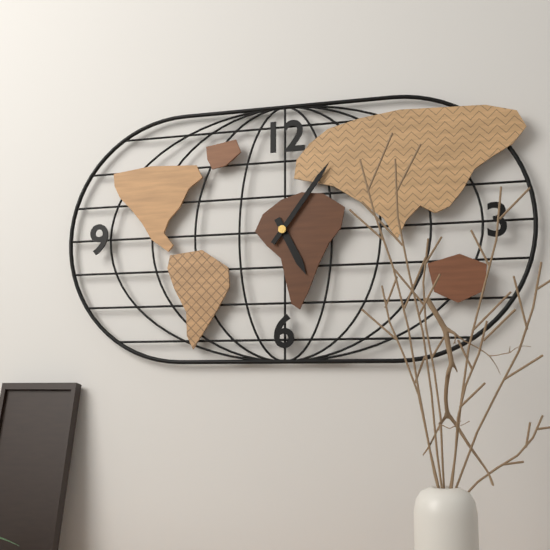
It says 5 h 06 min
